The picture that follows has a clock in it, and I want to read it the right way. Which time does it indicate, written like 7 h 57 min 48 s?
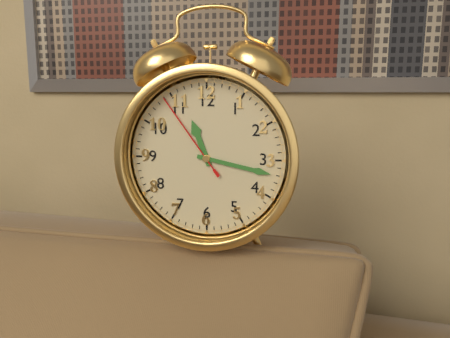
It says 11 h 17 min 54 s
